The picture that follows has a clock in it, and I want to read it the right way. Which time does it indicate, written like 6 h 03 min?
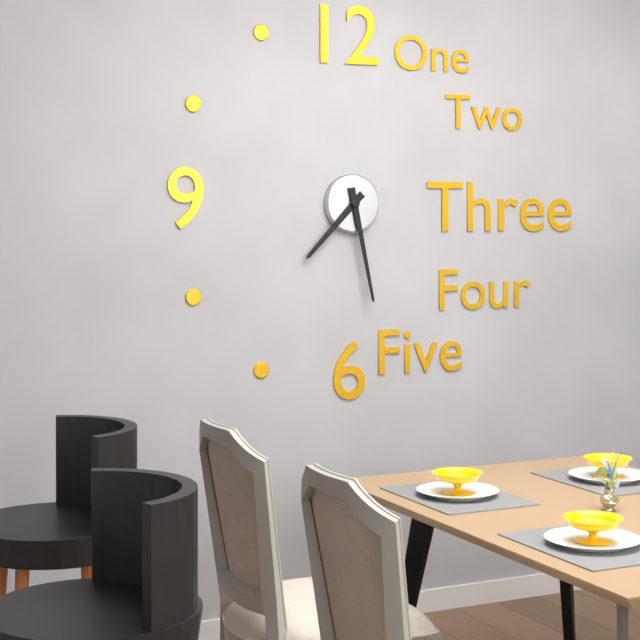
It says 7 h 28 min
